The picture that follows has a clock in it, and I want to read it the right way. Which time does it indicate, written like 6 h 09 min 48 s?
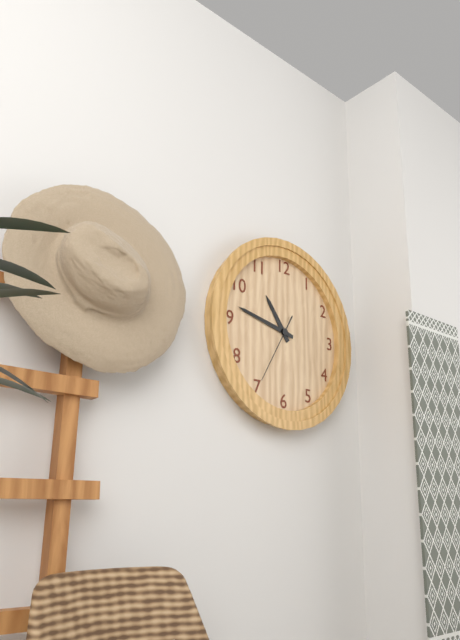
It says 10 h 47 min 35 s
